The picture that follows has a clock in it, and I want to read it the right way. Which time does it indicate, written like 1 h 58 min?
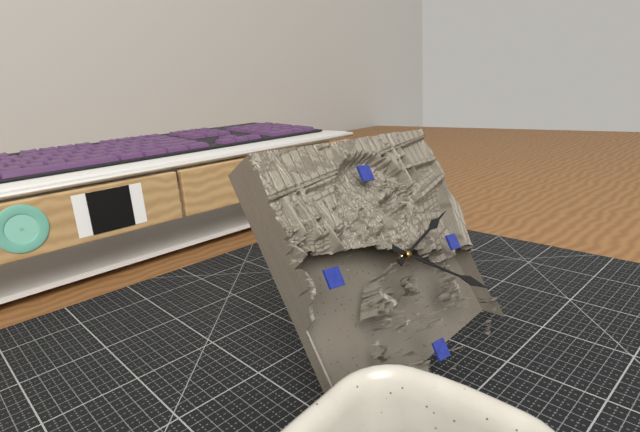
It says 2 h 20 min
